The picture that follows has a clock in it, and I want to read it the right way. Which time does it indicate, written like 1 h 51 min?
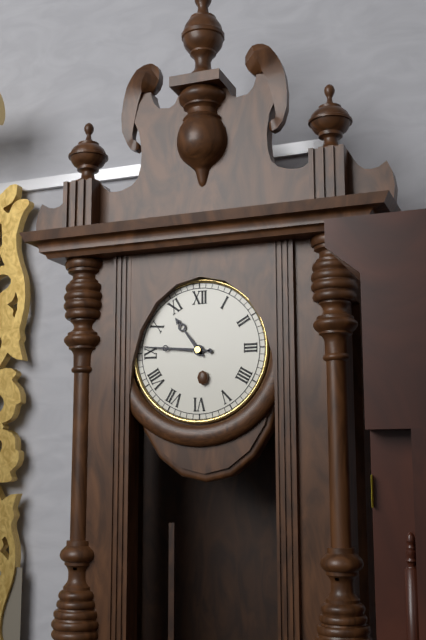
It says 10 h 46 min
